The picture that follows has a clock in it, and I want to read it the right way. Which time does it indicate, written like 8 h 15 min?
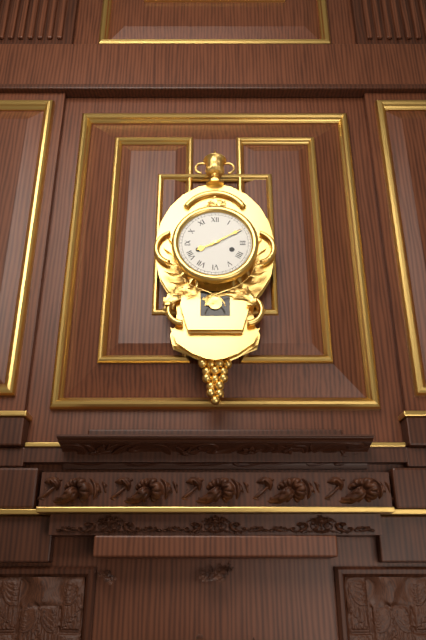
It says 8 h 10 min
